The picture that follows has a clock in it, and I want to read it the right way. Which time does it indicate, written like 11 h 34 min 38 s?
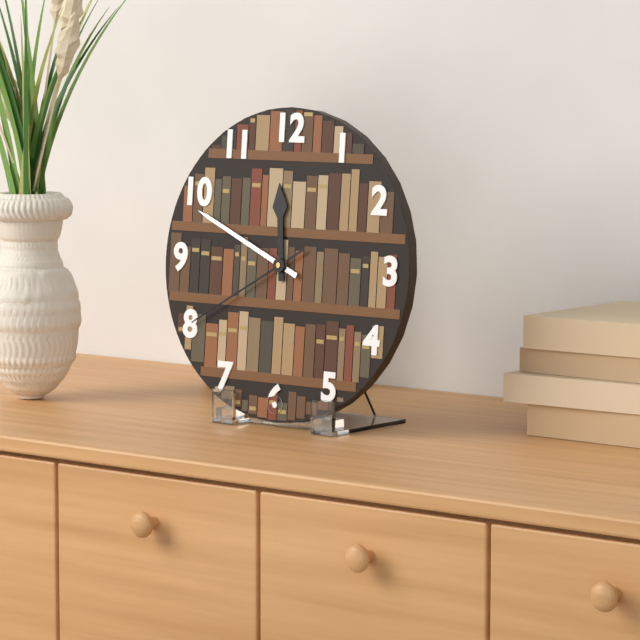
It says 11 h 49 min 40 s
